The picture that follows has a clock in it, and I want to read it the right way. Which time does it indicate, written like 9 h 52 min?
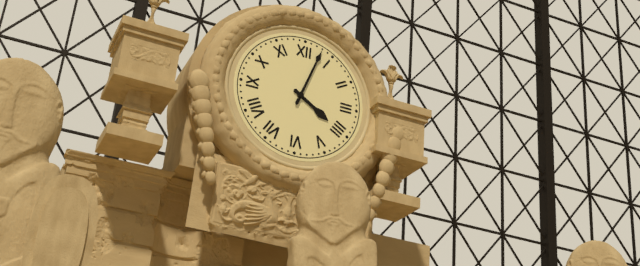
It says 4 h 03 min
